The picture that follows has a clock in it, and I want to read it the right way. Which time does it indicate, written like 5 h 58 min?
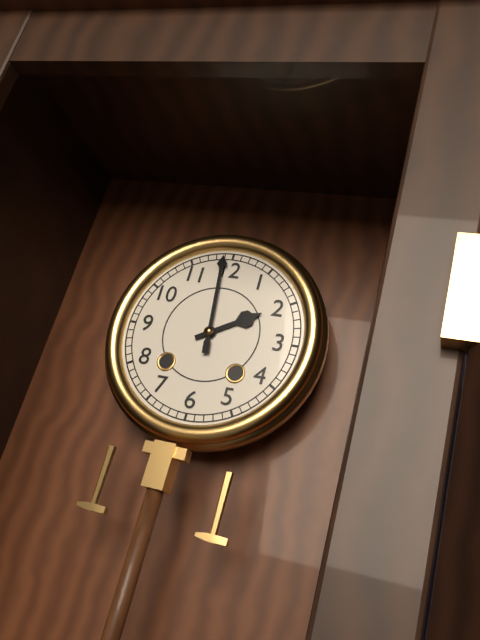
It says 1 h 59 min
